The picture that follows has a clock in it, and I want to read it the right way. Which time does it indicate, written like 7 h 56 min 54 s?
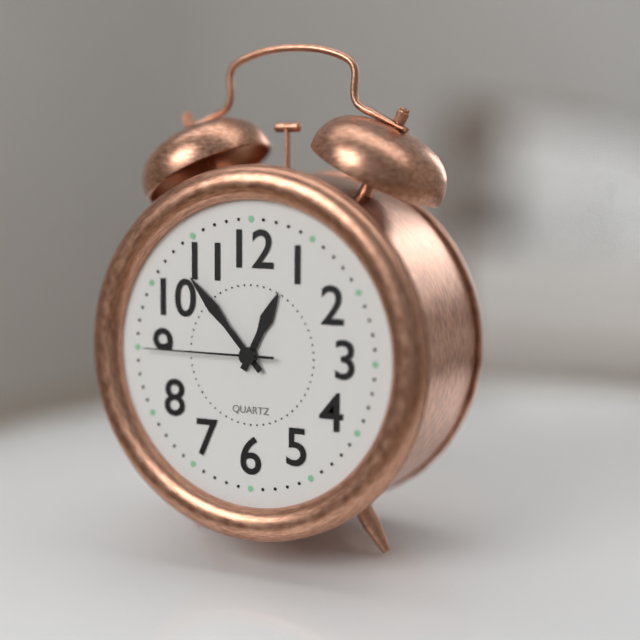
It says 12 h 53 min 45 s
